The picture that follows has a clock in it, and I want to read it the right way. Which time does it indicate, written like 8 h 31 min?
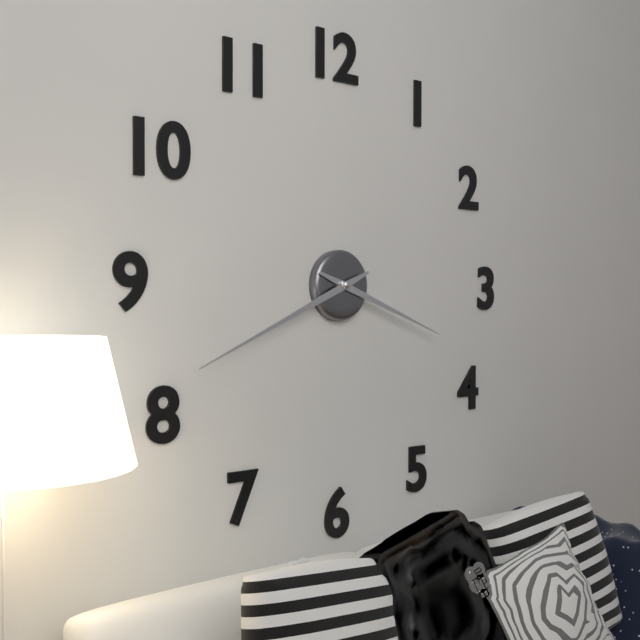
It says 3 h 41 min
